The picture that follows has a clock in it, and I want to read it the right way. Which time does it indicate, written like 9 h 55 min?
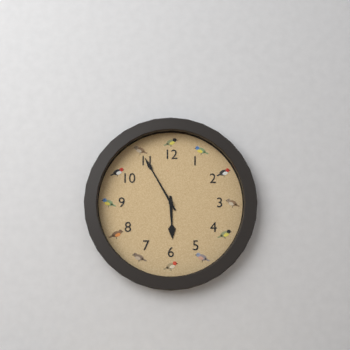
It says 5 h 55 min
